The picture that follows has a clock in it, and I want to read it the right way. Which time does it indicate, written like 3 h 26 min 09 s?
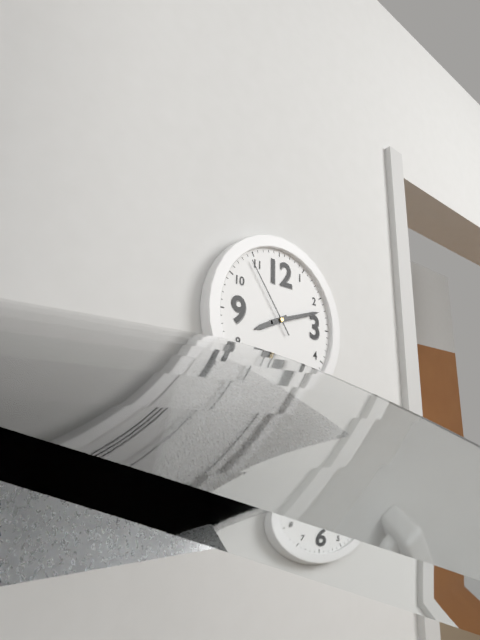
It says 8 h 12 min 54 s
